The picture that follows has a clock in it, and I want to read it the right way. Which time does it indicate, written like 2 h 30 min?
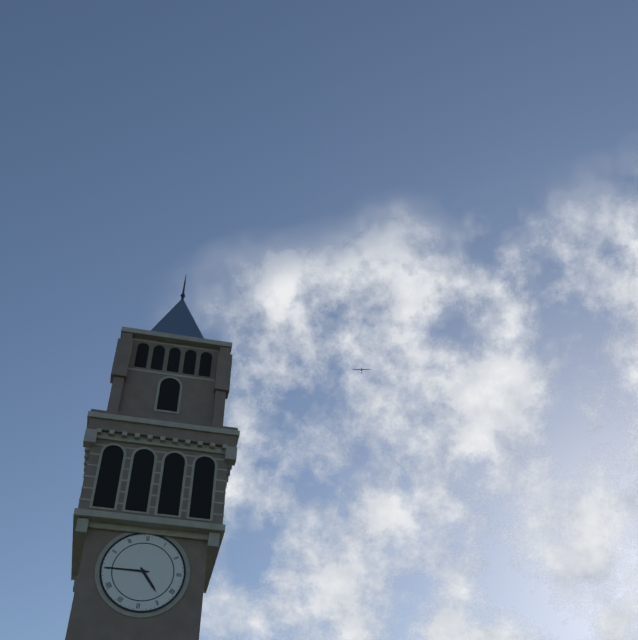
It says 4 h 45 min
